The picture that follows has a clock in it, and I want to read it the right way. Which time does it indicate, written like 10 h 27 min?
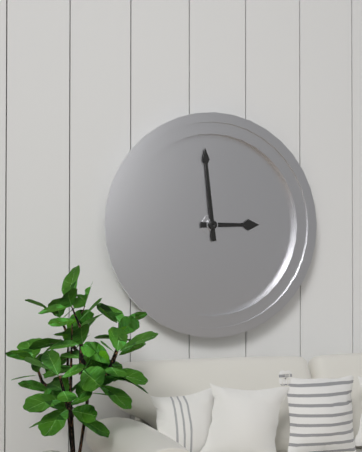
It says 2 h 59 min
